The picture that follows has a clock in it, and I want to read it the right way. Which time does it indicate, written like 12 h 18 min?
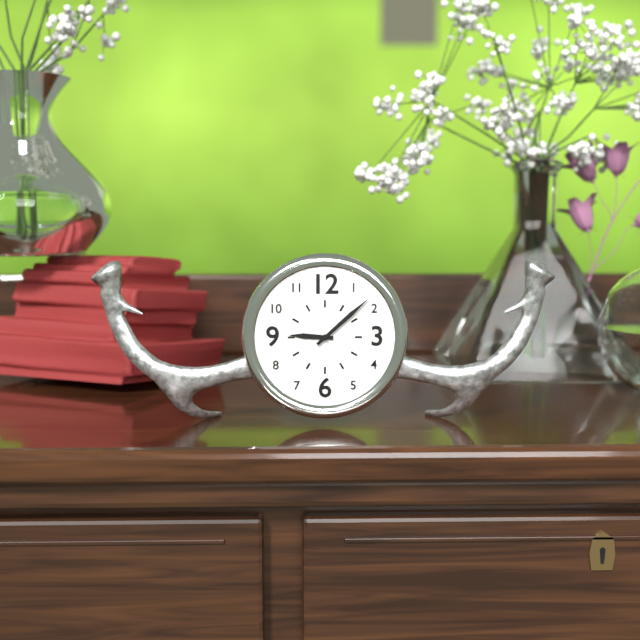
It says 9 h 08 min
